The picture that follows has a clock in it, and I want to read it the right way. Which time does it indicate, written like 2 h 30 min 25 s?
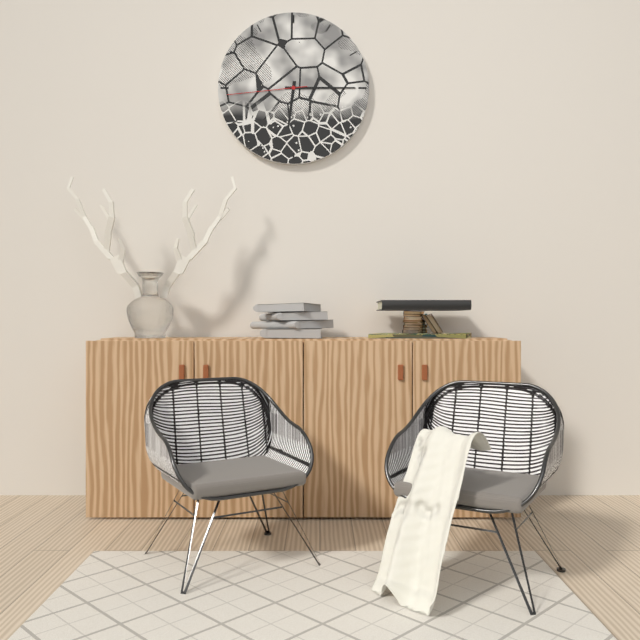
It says 6 h 15 min 44 s
